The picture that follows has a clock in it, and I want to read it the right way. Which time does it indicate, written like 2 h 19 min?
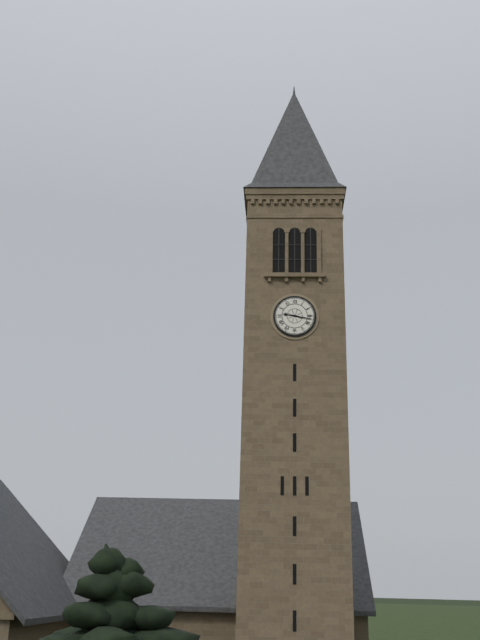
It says 9 h 17 min
